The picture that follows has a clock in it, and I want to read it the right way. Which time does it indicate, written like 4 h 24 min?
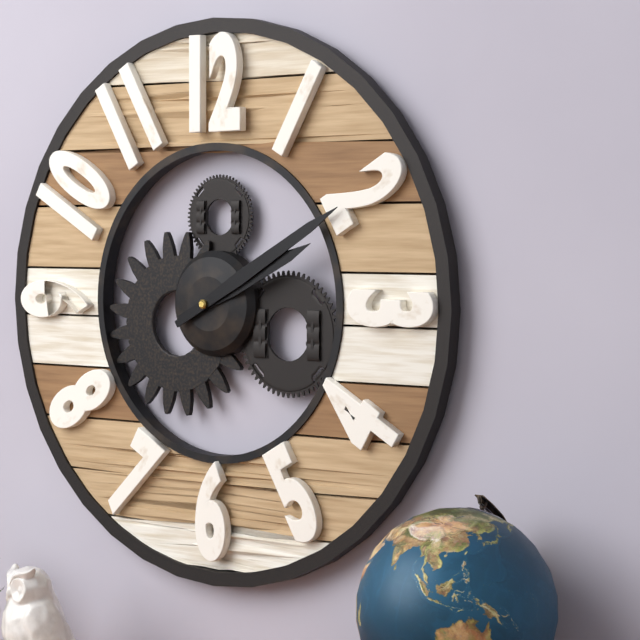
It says 2 h 10 min
